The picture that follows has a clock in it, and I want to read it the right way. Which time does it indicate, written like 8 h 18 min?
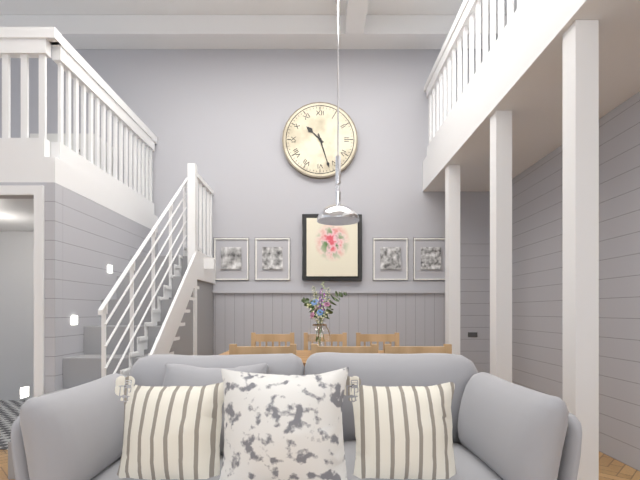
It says 10 h 27 min
